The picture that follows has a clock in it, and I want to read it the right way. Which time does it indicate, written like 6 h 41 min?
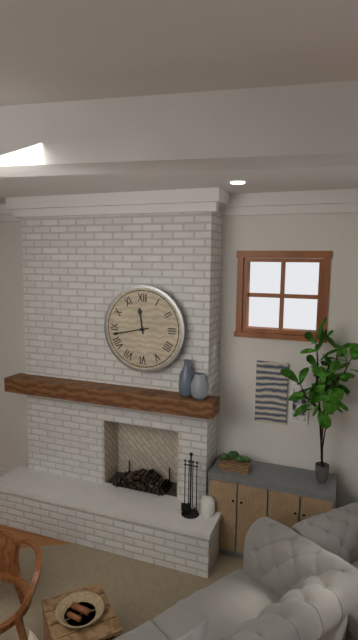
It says 11 h 43 min
